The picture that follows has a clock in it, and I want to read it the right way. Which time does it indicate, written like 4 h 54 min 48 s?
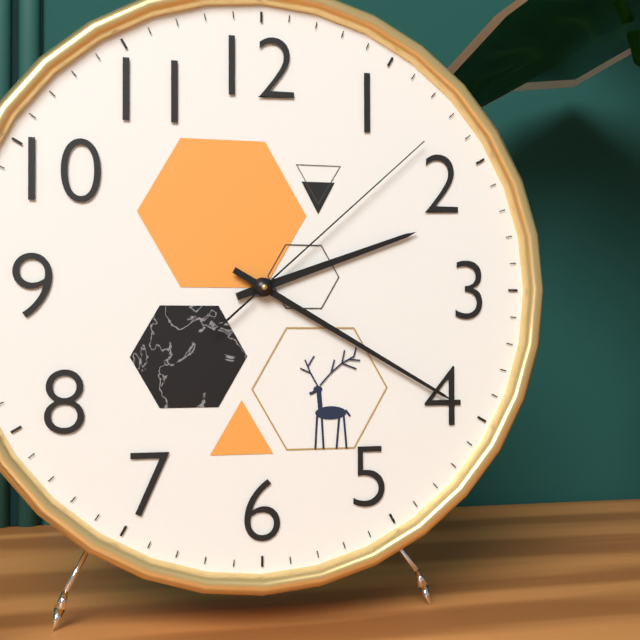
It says 2 h 20 min 08 s
